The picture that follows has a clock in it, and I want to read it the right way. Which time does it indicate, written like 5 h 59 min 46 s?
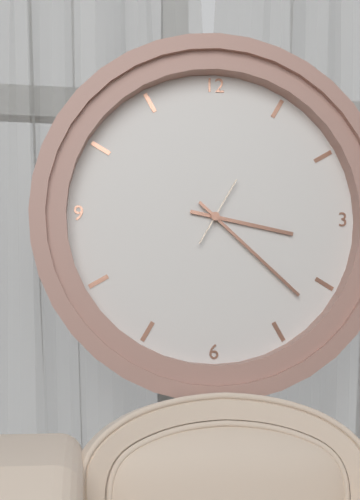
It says 3 h 22 min 05 s
